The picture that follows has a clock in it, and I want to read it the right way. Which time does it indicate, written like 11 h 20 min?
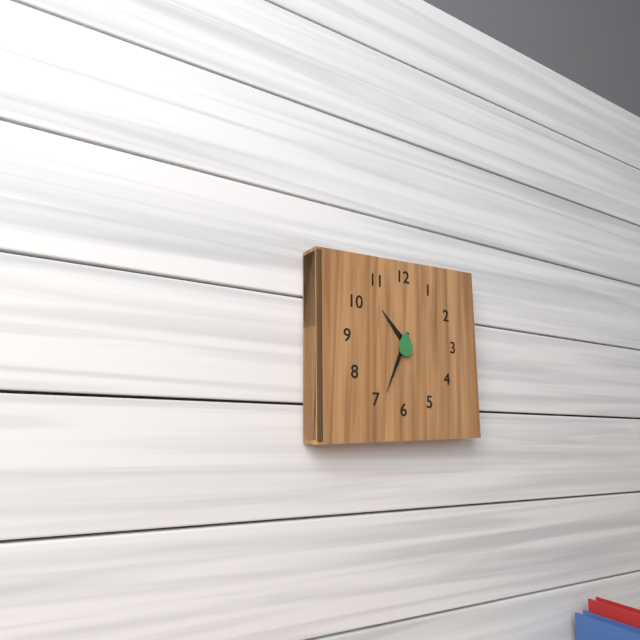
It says 10 h 34 min
